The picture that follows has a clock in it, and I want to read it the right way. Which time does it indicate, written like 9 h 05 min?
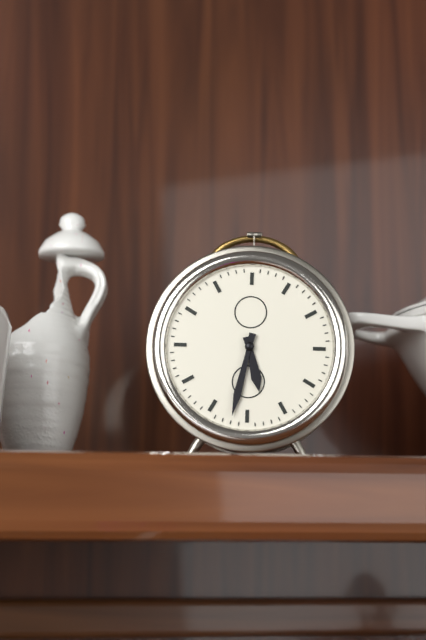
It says 5 h 32 min
